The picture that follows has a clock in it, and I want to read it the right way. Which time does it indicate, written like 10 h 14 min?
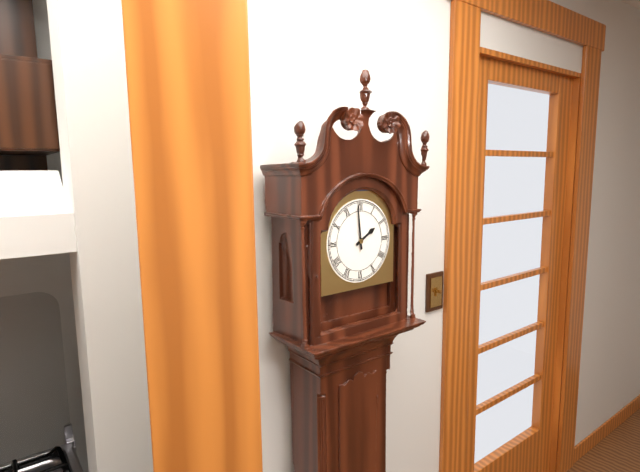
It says 1 h 59 min
